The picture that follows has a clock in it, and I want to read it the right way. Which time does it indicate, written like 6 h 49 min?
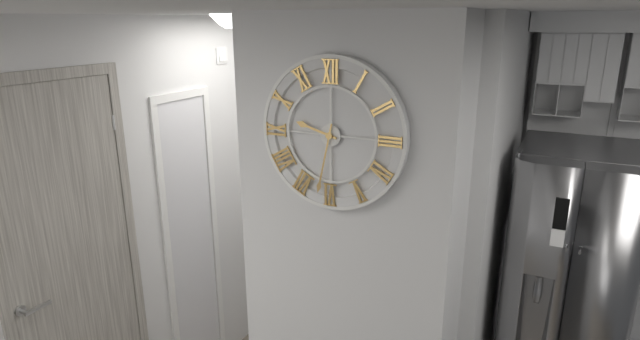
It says 9 h 32 min
